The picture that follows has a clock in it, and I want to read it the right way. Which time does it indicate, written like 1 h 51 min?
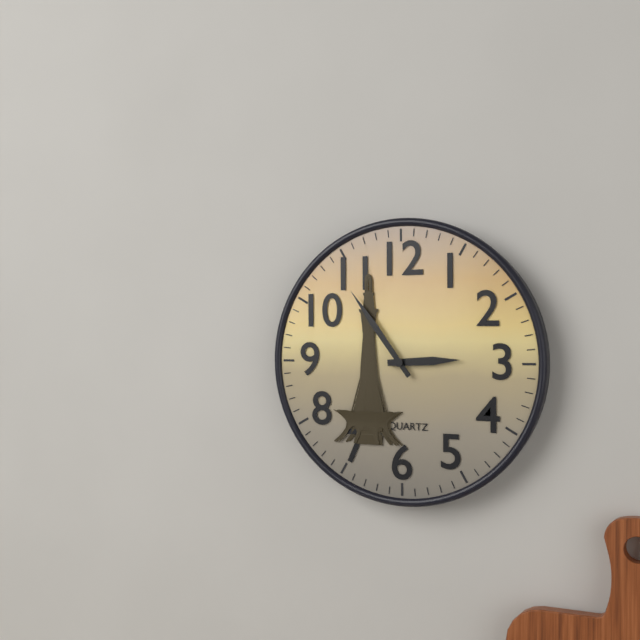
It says 2 h 54 min
